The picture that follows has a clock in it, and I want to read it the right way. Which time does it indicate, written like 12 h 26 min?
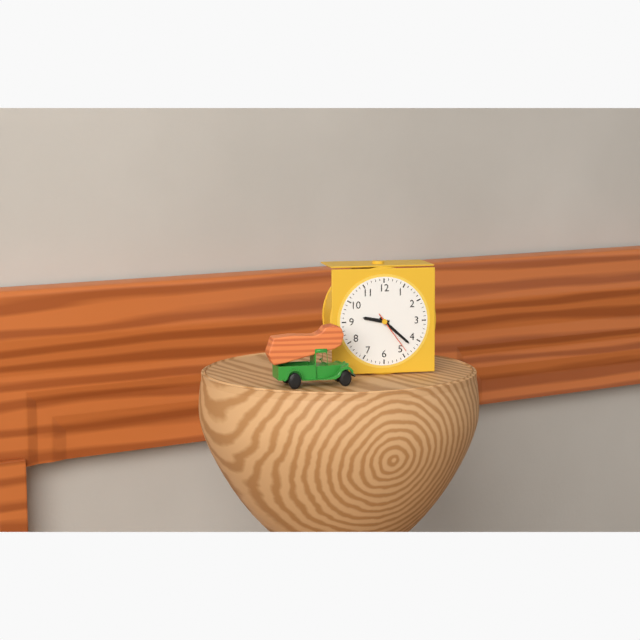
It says 9 h 22 min
